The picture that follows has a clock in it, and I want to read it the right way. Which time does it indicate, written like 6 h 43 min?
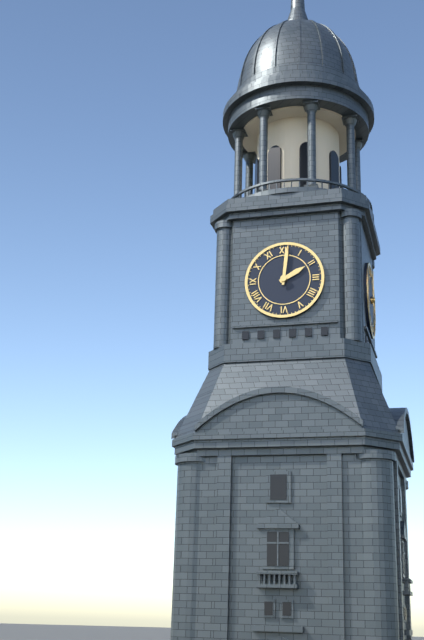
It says 2 h 01 min
